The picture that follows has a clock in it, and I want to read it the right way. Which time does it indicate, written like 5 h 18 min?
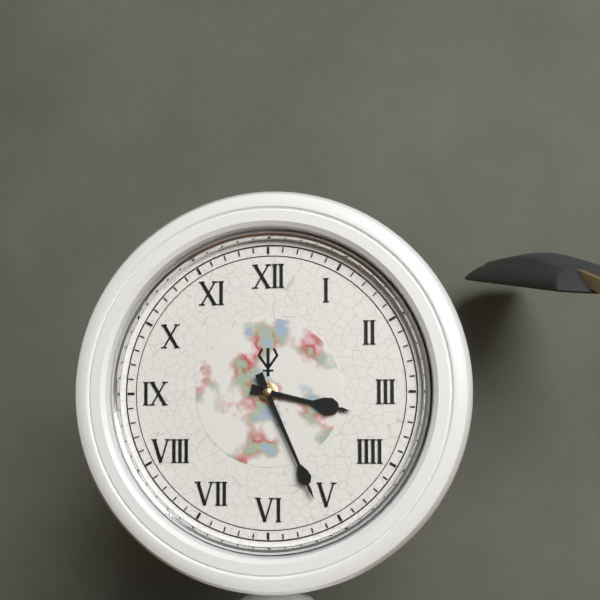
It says 3 h 26 min
